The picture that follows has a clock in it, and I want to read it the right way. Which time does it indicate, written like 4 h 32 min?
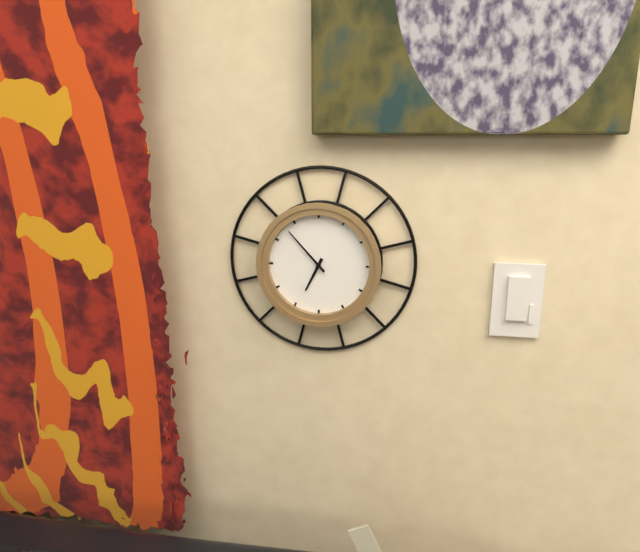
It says 6 h 53 min
